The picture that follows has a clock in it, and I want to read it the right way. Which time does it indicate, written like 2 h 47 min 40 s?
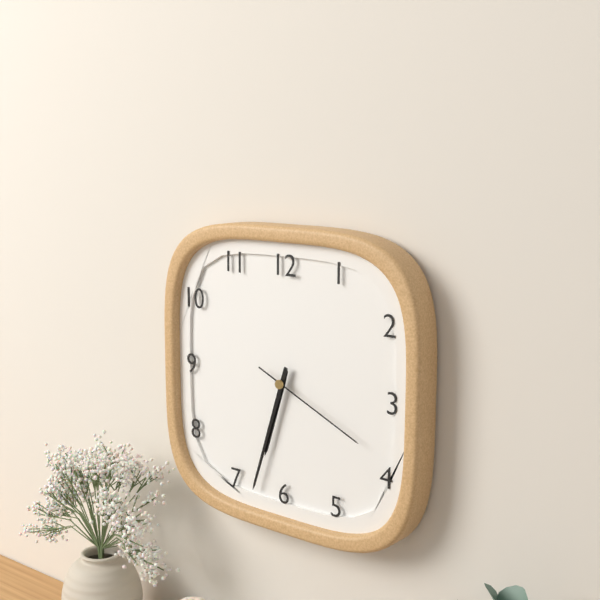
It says 6 h 33 min 19 s
